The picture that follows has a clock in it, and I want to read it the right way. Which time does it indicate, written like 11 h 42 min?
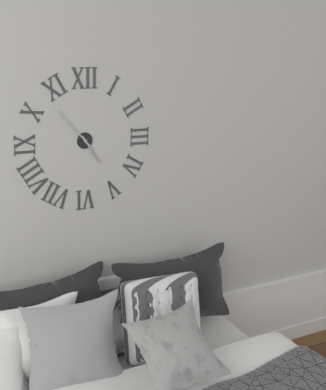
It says 4 h 53 min
